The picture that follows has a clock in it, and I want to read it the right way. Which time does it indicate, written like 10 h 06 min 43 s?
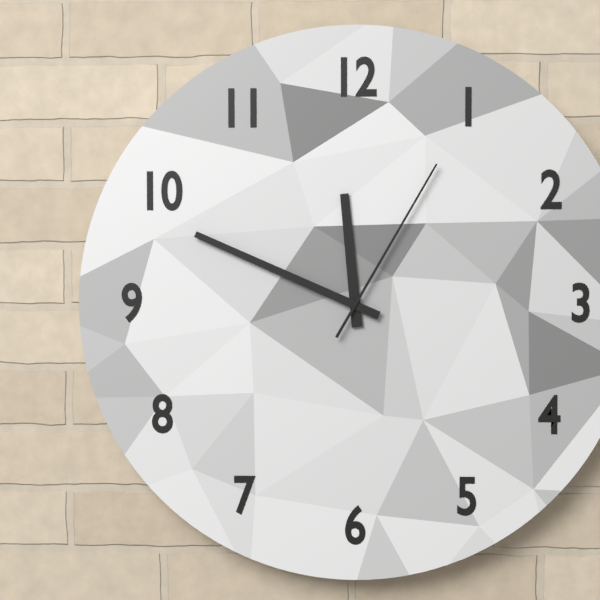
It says 11 h 49 min 05 s
